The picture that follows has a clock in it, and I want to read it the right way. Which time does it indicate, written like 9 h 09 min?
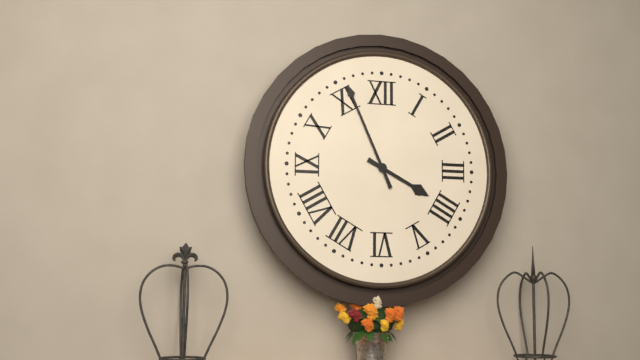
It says 3 h 56 min
